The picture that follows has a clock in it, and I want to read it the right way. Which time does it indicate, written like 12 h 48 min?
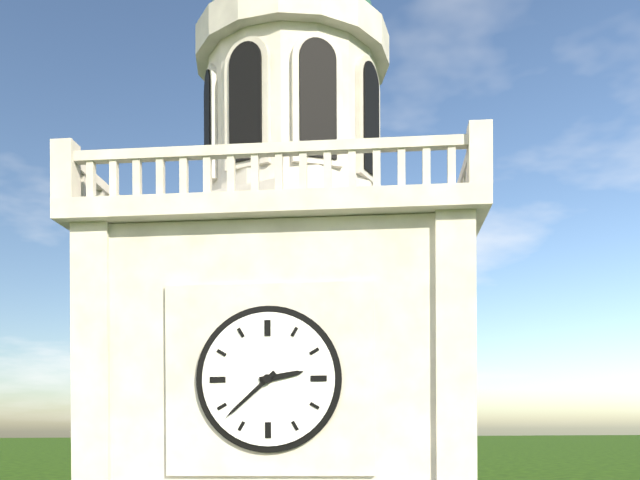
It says 2 h 38 min
